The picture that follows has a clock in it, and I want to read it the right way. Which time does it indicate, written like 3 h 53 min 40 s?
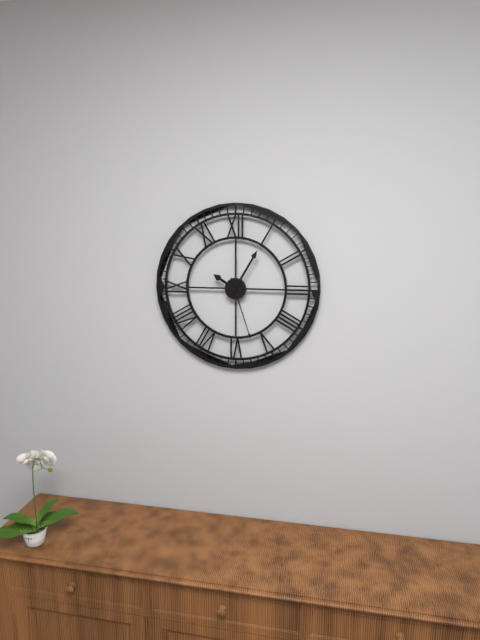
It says 10 h 05 min 27 s
